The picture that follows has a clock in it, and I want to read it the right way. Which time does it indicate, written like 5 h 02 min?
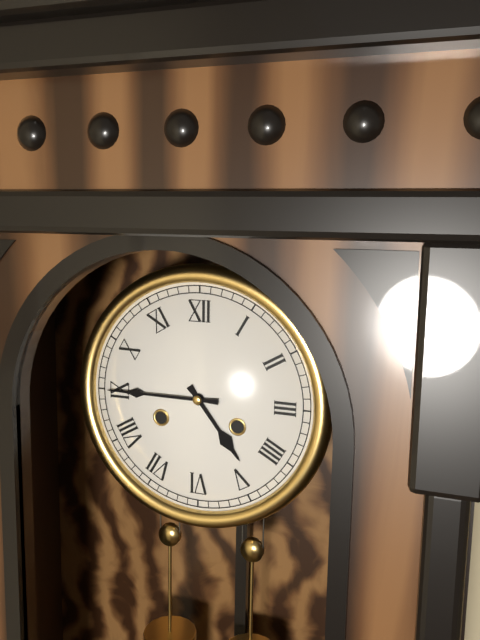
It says 4 h 45 min
